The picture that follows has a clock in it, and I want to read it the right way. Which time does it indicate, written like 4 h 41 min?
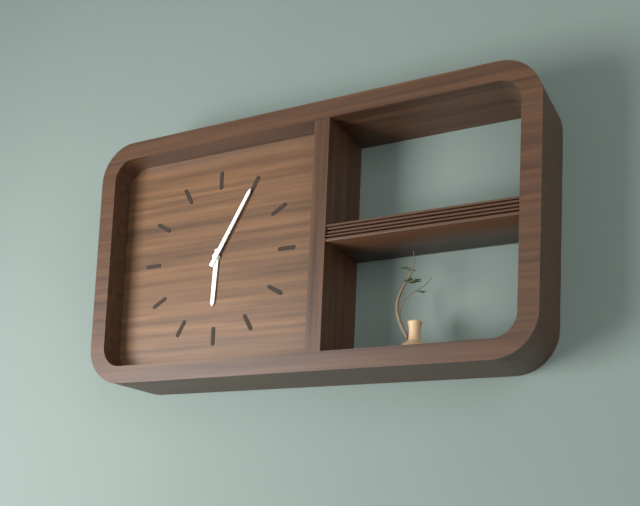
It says 6 h 05 min
